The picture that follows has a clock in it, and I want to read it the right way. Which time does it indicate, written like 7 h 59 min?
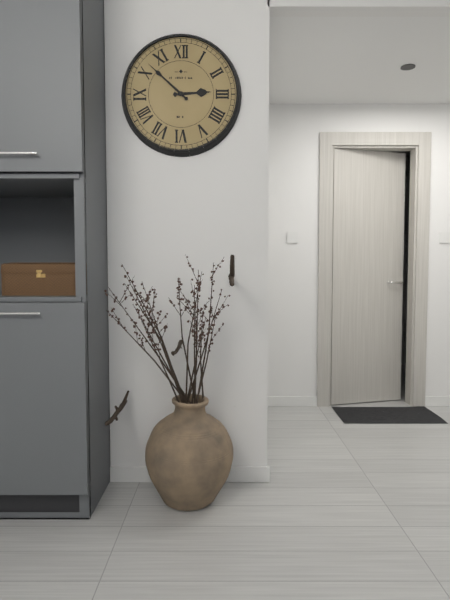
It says 2 h 52 min
